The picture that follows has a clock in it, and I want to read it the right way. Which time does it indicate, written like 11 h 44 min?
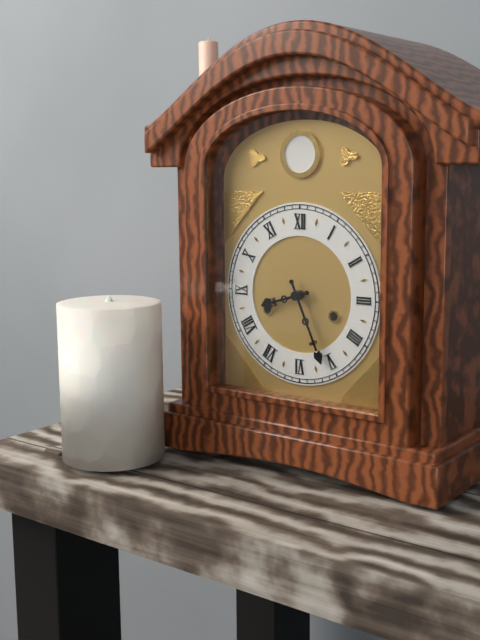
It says 8 h 26 min
